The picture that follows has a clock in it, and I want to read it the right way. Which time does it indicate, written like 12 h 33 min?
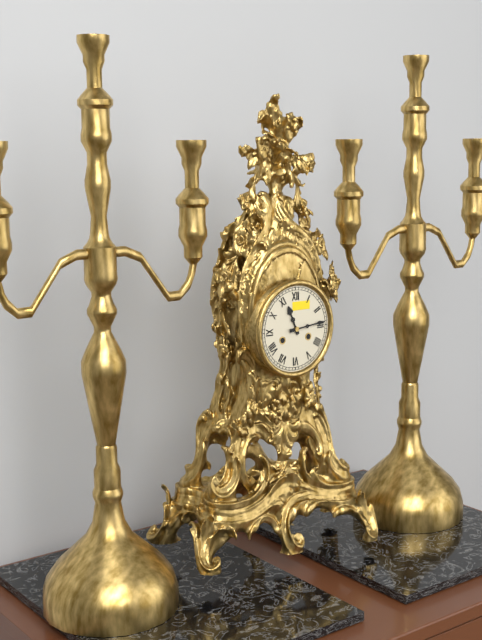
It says 11 h 14 min
